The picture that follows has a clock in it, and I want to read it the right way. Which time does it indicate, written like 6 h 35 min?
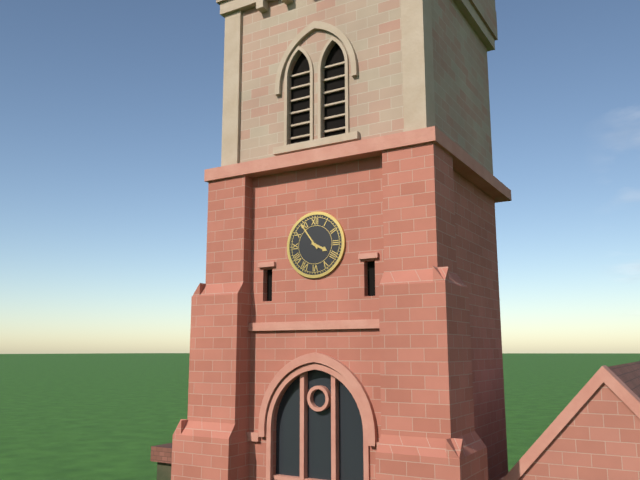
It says 3 h 54 min
